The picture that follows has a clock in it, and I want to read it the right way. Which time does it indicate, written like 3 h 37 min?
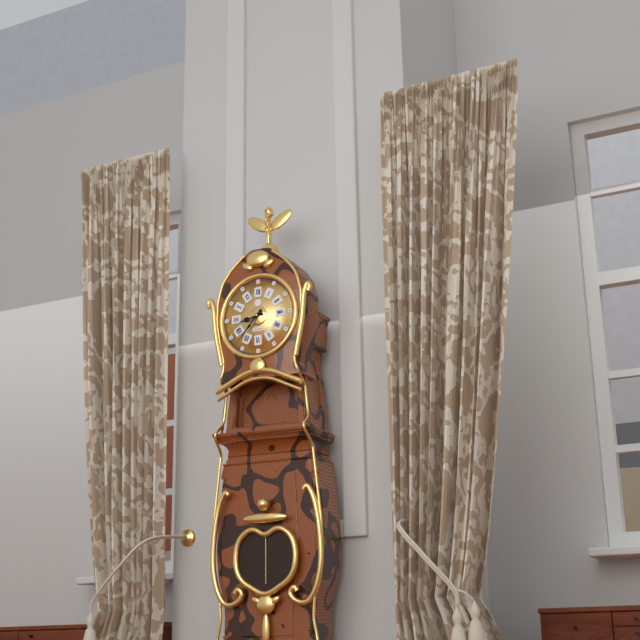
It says 8 h 37 min
